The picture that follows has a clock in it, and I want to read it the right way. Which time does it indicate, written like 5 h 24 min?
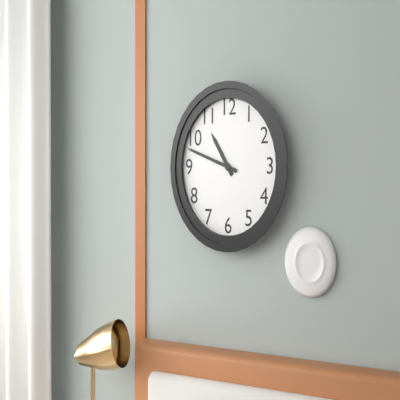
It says 10 h 48 min
